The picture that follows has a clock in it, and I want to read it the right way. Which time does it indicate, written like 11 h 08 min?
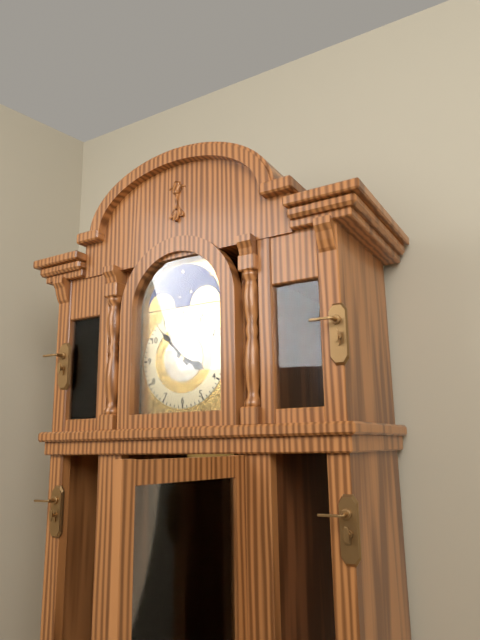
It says 3 h 53 min
